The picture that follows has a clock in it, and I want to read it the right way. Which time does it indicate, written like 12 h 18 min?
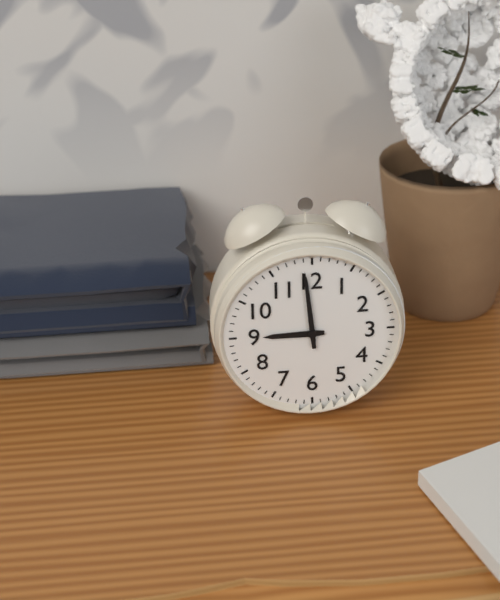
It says 8 h 59 min
